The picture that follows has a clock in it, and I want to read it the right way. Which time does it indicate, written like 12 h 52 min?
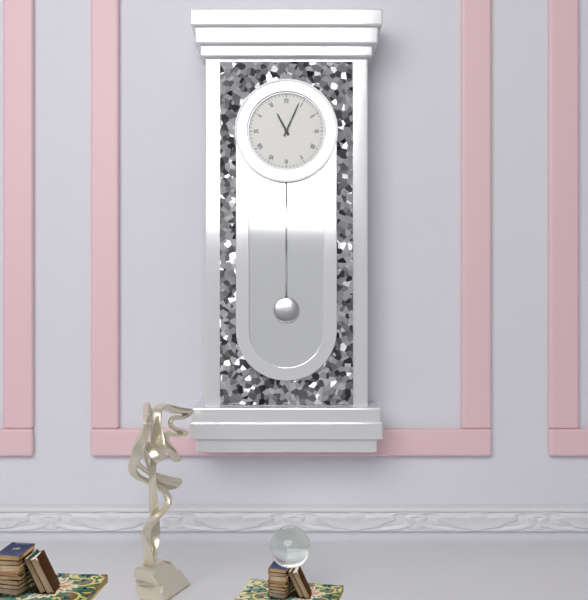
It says 11 h 04 min
